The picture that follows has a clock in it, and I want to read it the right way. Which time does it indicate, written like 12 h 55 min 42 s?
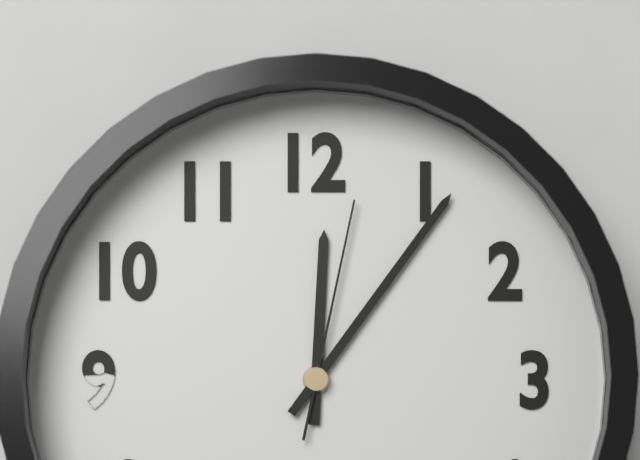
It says 12 h 06 min 02 s
